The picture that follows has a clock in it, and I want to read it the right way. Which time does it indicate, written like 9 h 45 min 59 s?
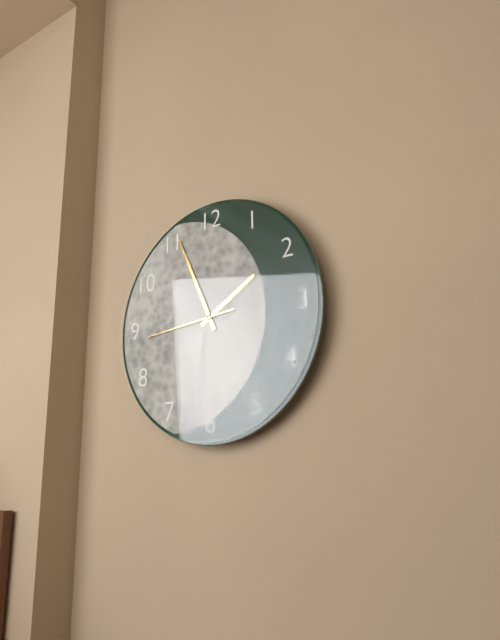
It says 1 h 56 min 44 s
